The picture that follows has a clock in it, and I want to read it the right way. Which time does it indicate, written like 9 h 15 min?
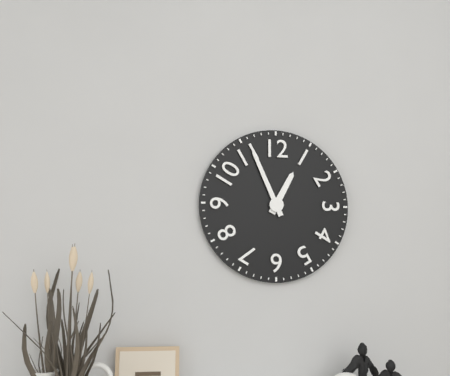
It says 12 h 56 min
